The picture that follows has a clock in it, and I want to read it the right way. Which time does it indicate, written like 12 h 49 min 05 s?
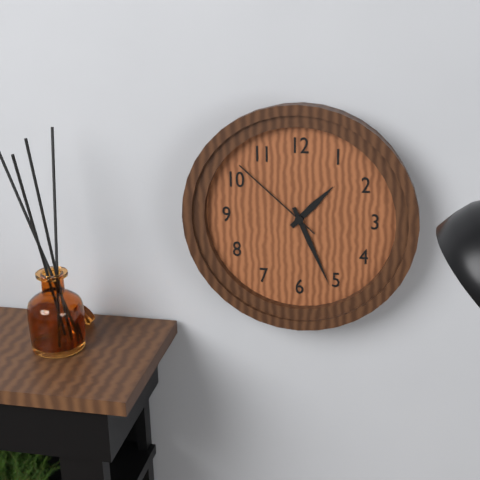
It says 1 h 26 min 52 s
